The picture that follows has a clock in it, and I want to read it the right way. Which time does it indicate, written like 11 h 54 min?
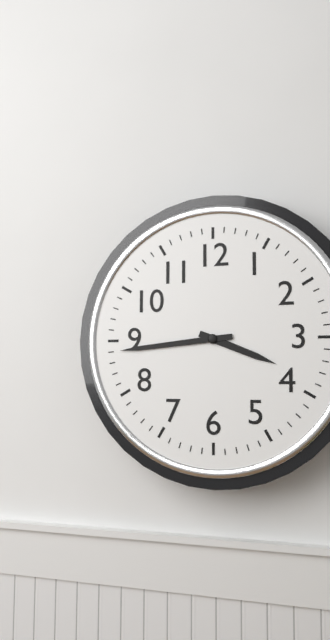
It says 3 h 44 min
